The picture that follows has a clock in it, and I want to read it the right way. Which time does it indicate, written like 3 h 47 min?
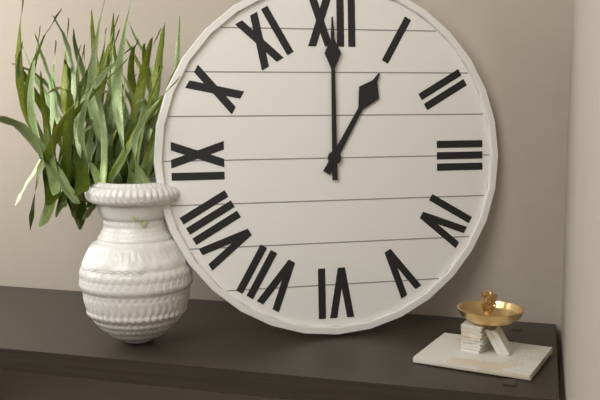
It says 1 h 00 min
